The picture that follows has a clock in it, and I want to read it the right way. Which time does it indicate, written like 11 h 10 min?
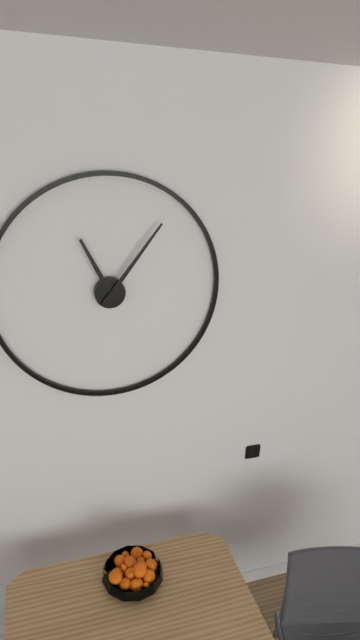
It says 11 h 06 min
